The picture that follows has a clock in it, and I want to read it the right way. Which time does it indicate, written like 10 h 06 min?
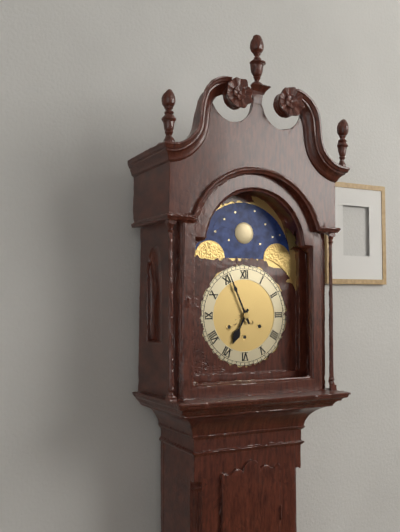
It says 6 h 56 min
